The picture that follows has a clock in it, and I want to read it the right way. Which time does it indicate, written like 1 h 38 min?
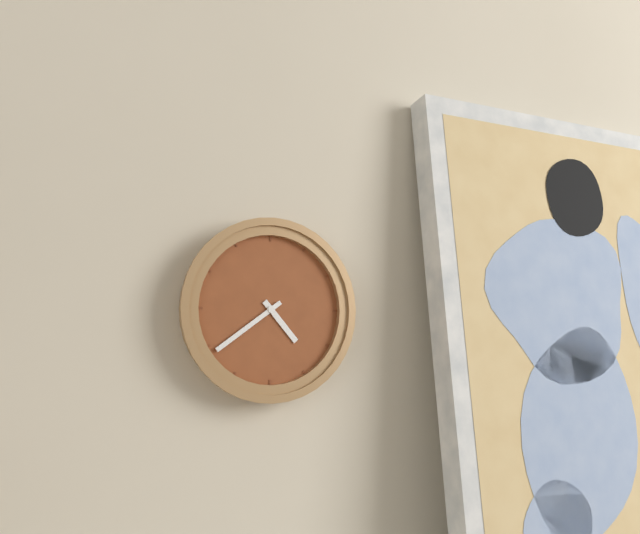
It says 4 h 39 min
